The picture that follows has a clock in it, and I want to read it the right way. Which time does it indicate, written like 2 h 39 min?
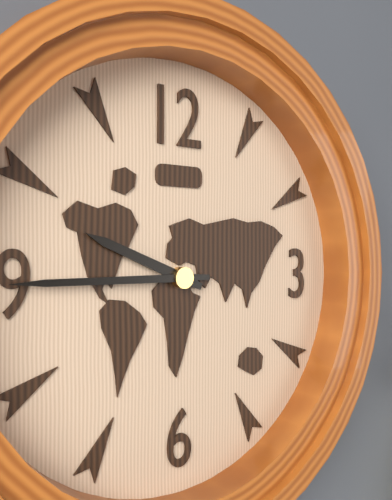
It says 9 h 45 min
